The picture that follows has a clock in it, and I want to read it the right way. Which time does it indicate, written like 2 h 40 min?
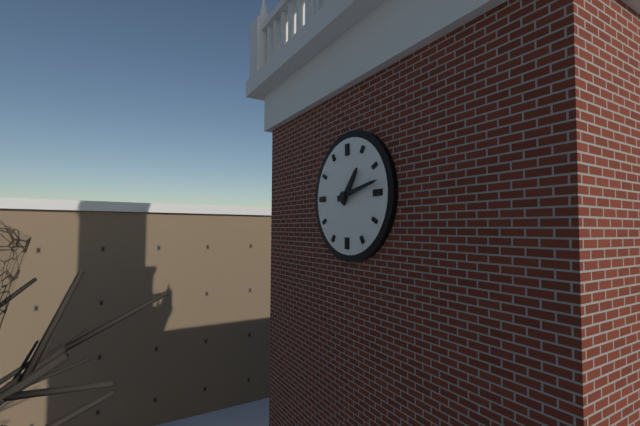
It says 1 h 13 min
